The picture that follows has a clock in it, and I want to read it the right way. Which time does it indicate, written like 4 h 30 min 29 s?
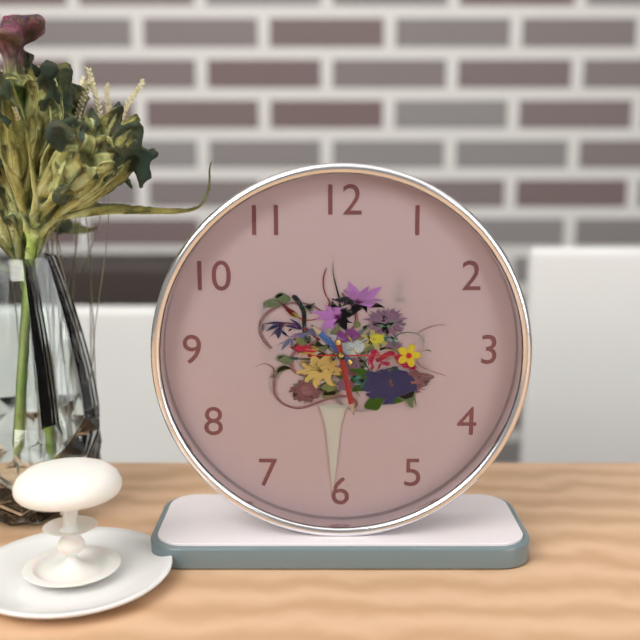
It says 10 h 28 min 15 s
